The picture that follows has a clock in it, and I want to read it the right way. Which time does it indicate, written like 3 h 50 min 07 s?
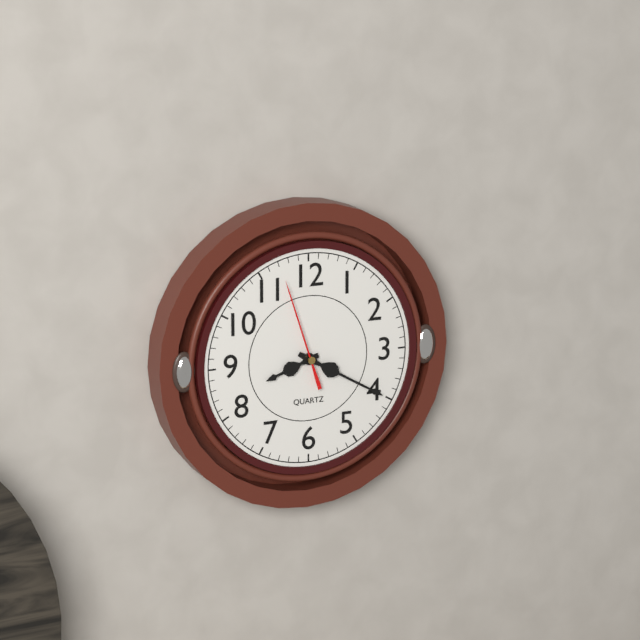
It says 8 h 20 min 57 s
